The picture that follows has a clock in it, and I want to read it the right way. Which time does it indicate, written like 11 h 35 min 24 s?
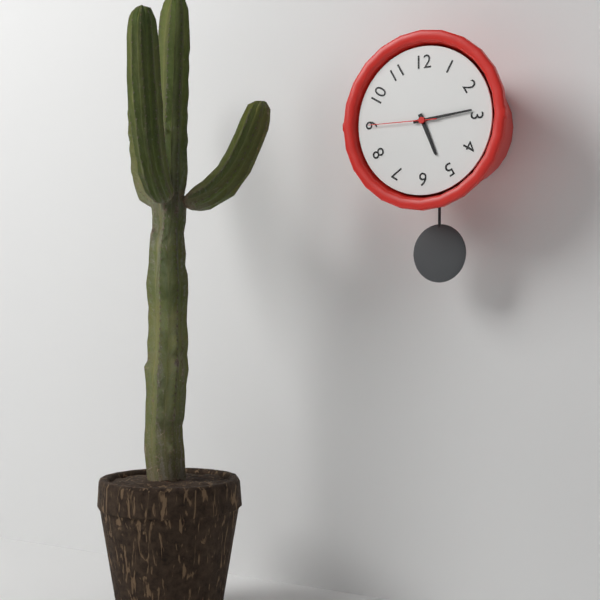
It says 5 h 14 min 45 s
